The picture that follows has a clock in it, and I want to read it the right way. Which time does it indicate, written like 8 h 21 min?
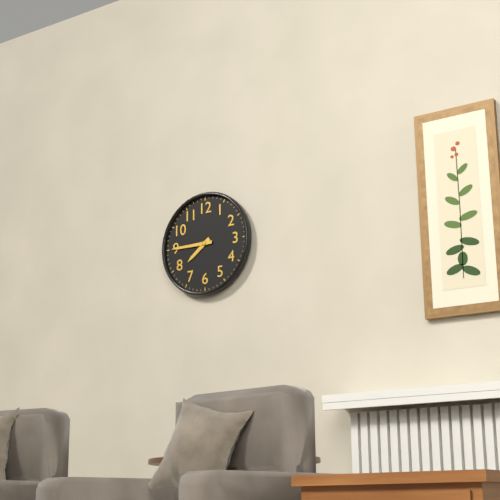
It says 7 h 45 min
